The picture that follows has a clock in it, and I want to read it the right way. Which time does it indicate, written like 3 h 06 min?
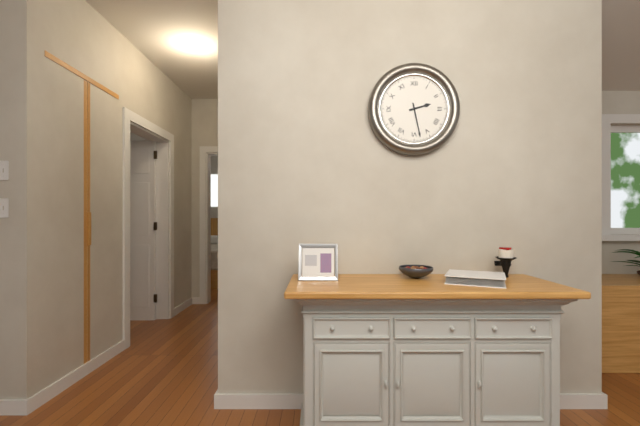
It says 2 h 28 min
